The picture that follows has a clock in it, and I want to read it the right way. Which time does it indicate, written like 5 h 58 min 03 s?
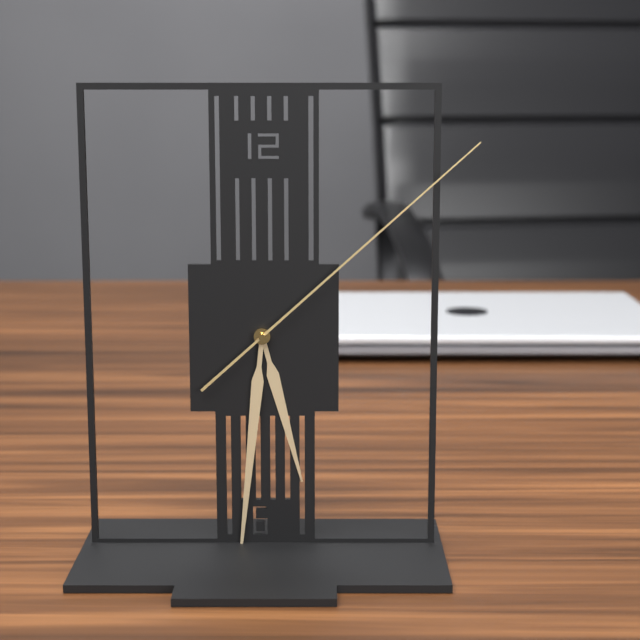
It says 5 h 31 min 08 s
